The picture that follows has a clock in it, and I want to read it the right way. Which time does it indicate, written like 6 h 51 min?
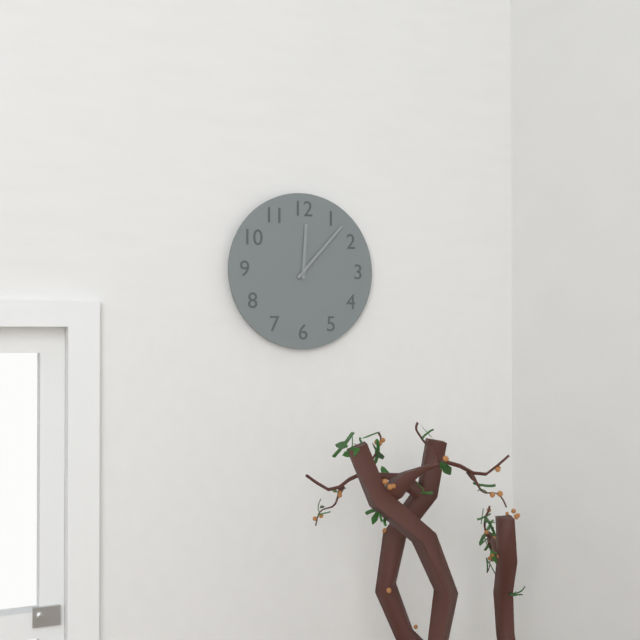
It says 12 h 07 min
